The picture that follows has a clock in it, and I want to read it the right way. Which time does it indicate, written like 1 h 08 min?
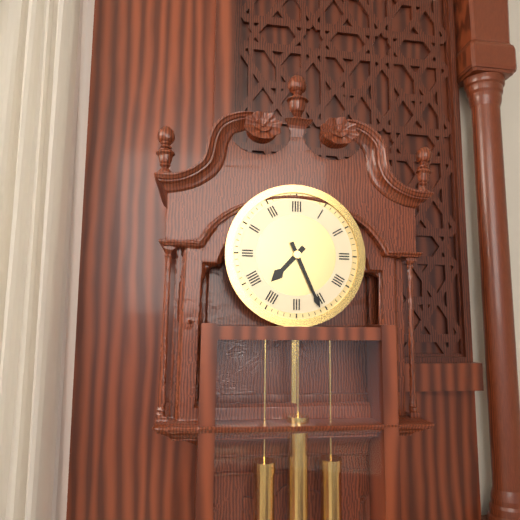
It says 7 h 26 min
